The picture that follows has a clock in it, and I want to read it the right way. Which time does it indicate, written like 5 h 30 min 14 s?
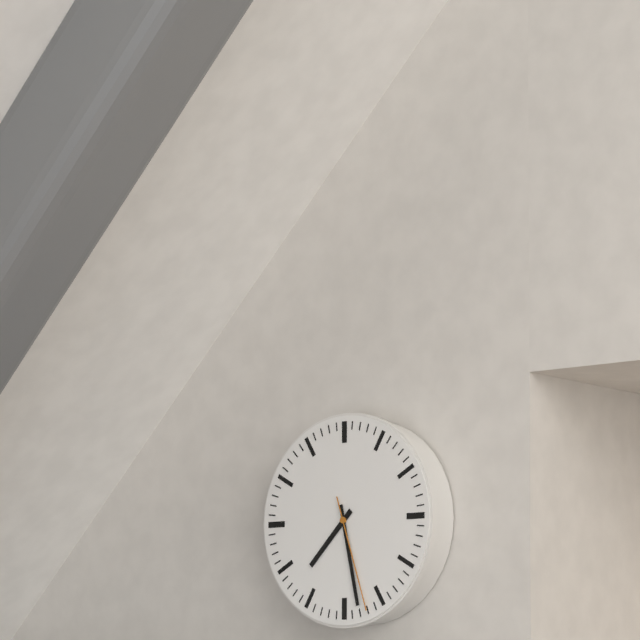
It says 7 h 28 min 27 s
